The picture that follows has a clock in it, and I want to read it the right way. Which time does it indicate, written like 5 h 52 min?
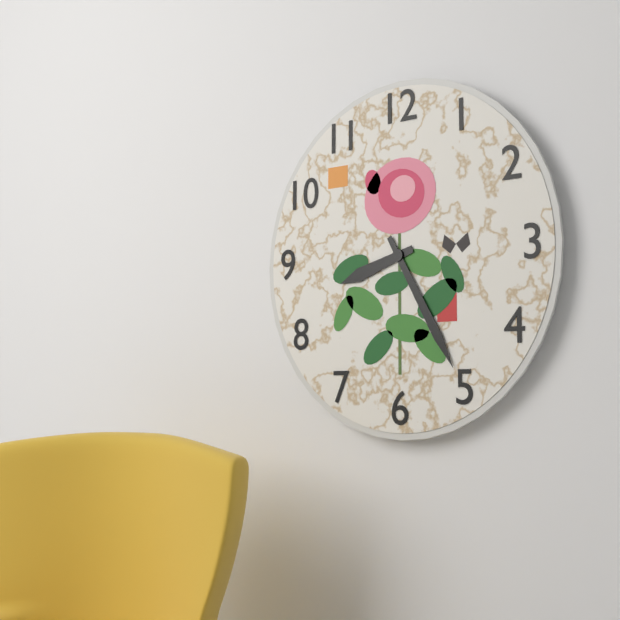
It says 8 h 25 min
